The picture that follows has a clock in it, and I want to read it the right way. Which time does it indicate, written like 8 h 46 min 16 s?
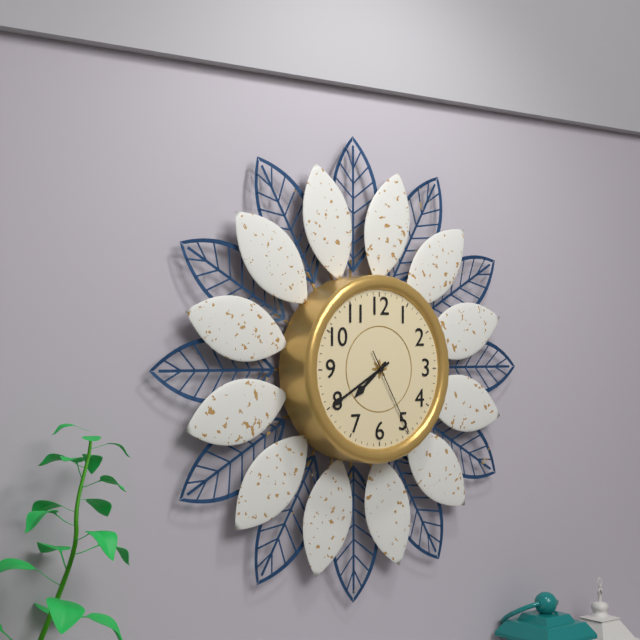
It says 7 h 40 min 25 s
